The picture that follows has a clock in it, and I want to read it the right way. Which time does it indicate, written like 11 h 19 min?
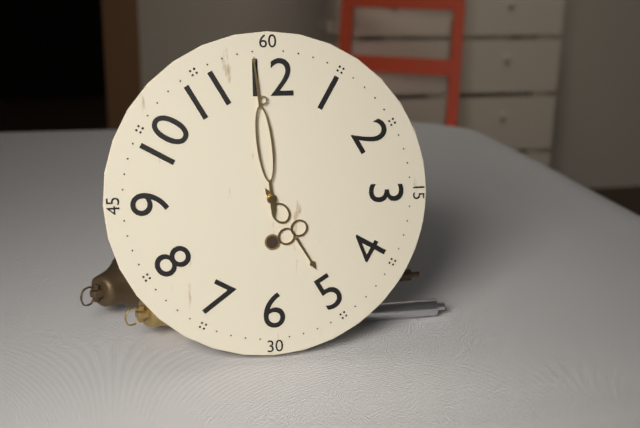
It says 4 h 59 min
